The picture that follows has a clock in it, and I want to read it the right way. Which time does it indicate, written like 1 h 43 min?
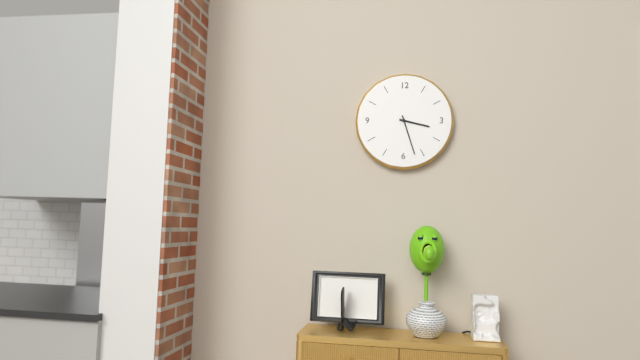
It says 3 h 27 min
